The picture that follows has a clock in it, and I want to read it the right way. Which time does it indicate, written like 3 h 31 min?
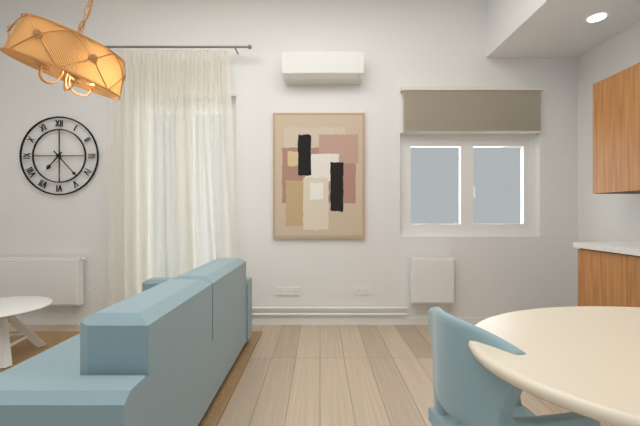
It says 7 h 23 min
